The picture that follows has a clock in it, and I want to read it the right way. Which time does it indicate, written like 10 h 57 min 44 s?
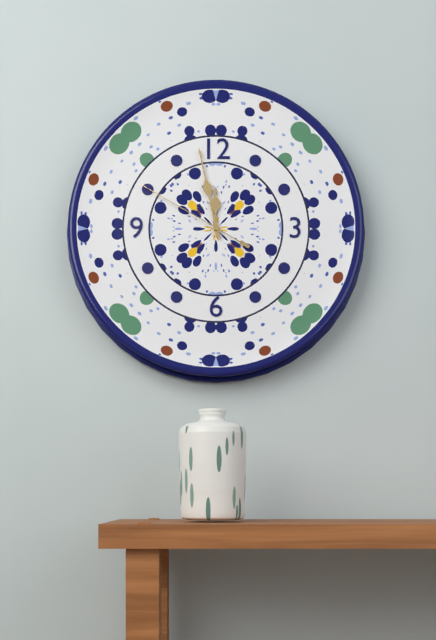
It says 11 h 58 min 50 s
